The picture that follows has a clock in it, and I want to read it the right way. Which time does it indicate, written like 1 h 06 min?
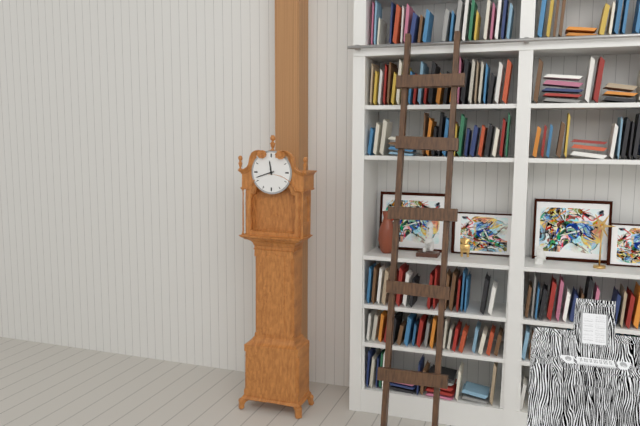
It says 11 h 42 min
